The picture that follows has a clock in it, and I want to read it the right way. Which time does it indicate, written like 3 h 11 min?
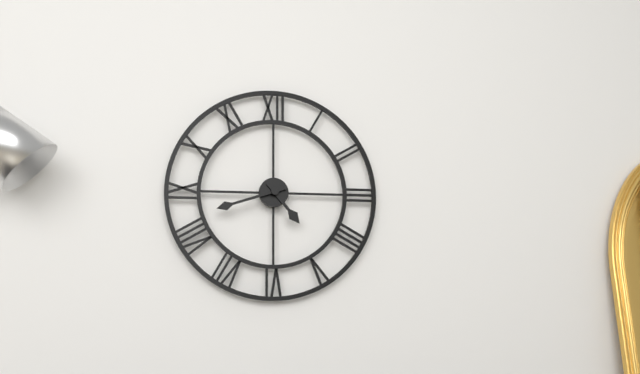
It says 4 h 42 min
